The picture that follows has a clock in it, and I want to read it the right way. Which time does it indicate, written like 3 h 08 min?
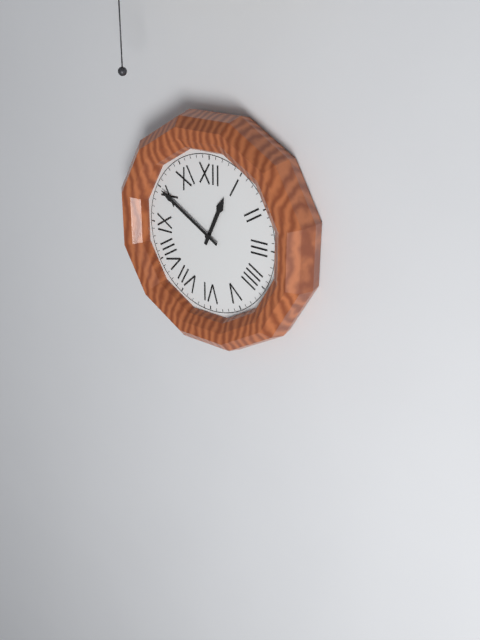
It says 12 h 50 min
